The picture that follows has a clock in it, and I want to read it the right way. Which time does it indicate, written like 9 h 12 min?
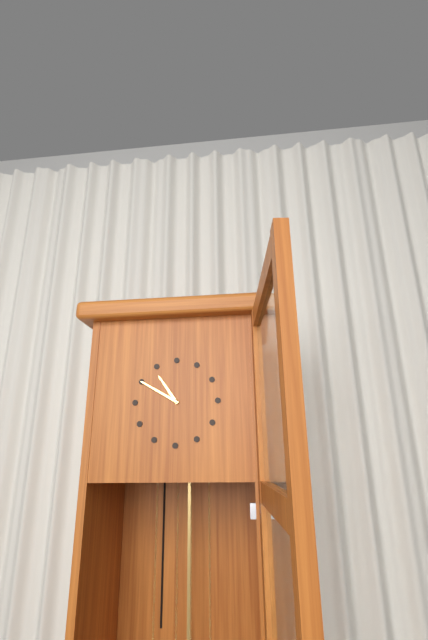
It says 10 h 50 min
